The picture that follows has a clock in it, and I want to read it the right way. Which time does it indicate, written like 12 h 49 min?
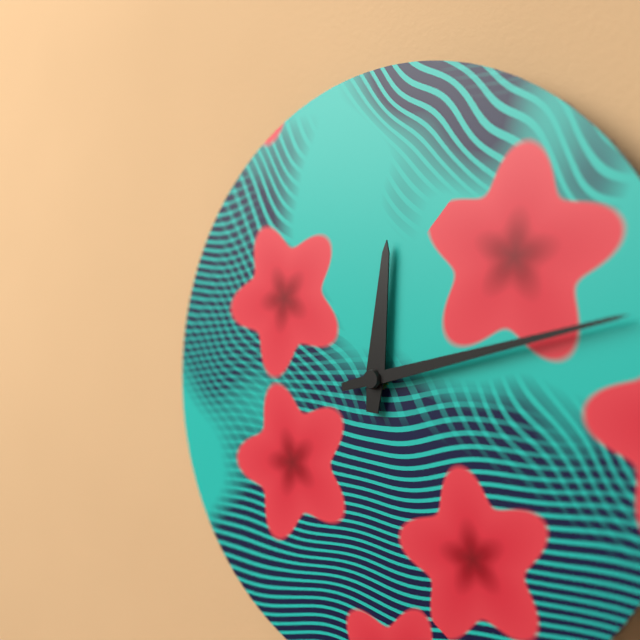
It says 12 h 13 min
